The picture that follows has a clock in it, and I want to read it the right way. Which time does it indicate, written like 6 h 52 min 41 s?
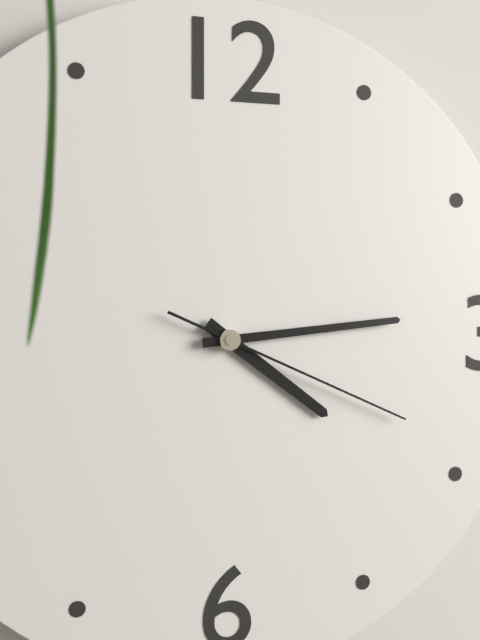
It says 4 h 14 min 19 s
